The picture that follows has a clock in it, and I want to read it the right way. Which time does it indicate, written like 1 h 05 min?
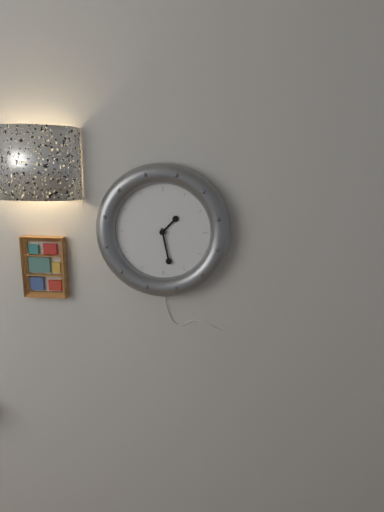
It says 1 h 28 min
